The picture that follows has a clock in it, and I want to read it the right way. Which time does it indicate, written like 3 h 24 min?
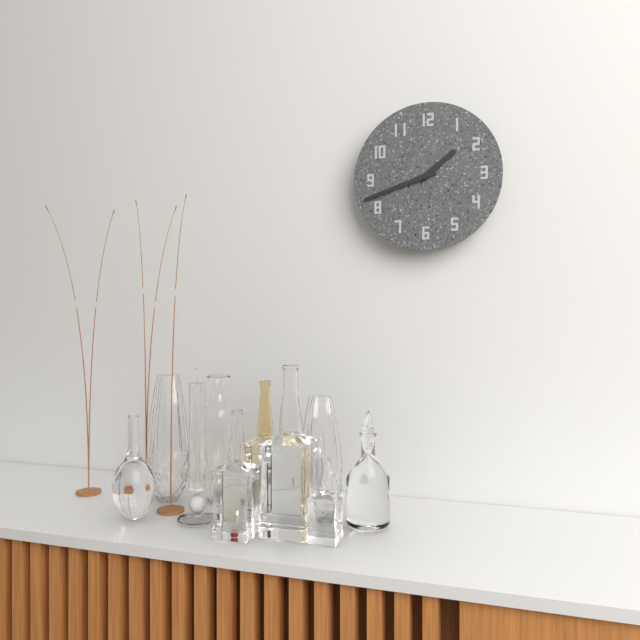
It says 1 h 42 min
